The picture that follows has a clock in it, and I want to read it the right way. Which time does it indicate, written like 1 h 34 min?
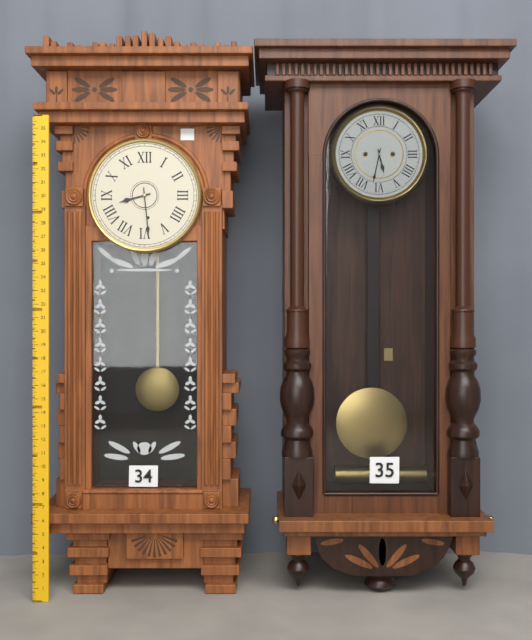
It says 8 h 29 min
